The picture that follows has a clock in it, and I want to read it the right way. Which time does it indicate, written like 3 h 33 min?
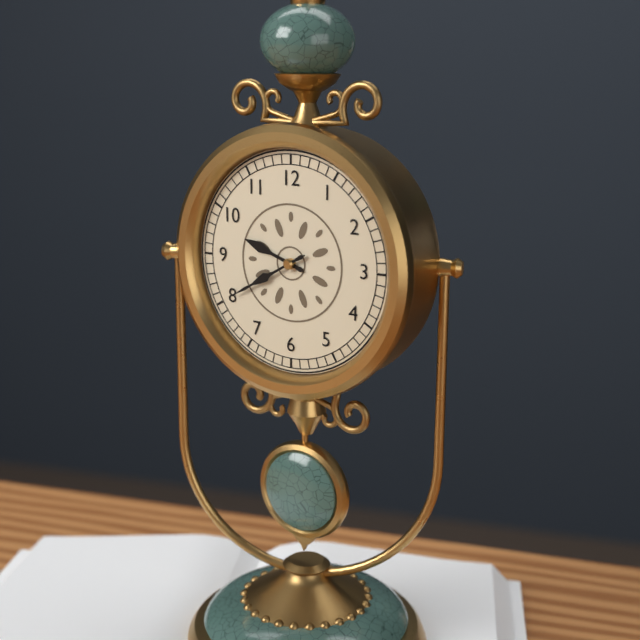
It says 9 h 40 min
